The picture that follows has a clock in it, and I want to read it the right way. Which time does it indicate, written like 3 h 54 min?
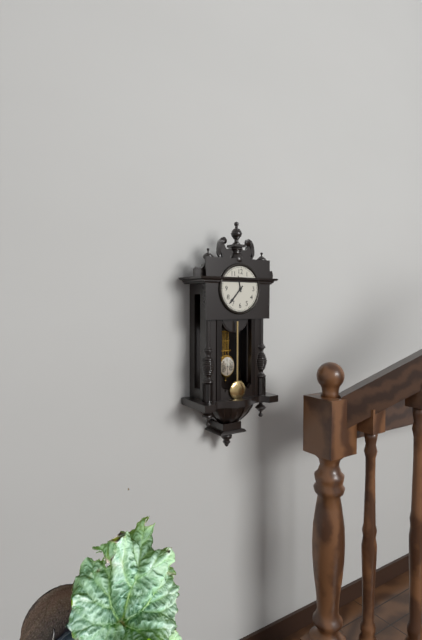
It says 11 h 37 min
